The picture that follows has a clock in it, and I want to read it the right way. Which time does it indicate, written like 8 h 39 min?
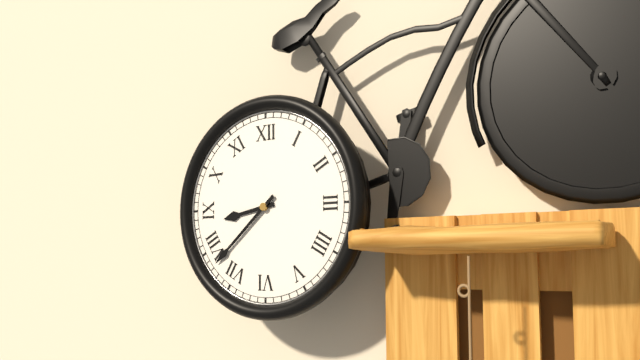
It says 8 h 38 min
